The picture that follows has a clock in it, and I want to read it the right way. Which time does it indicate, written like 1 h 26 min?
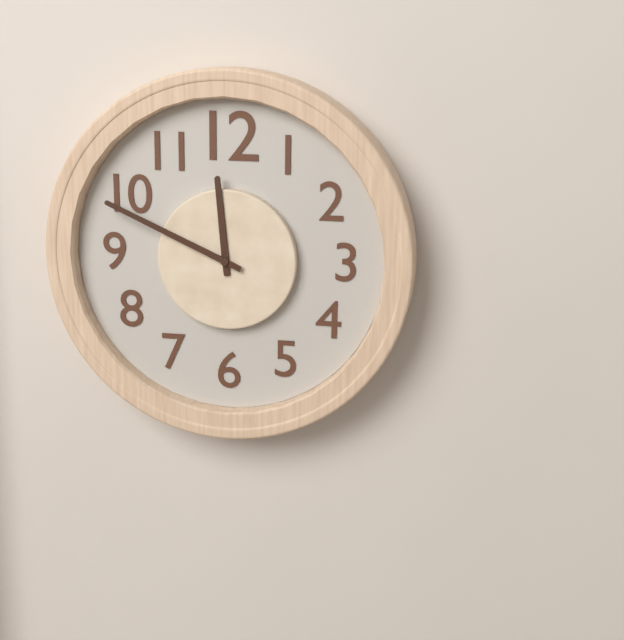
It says 11 h 49 min
